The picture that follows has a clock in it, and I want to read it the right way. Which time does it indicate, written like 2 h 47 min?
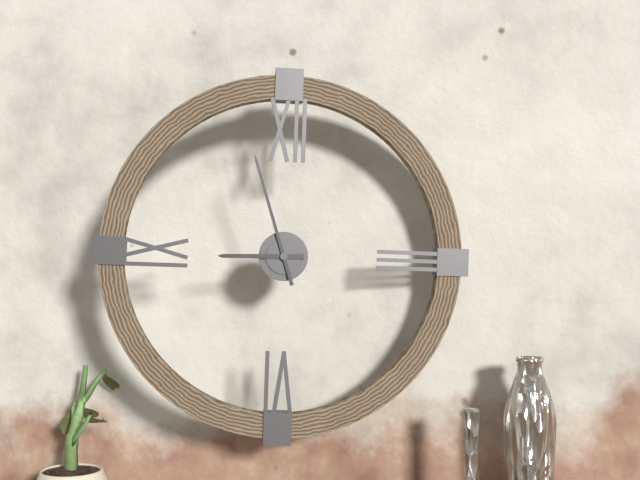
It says 8 h 57 min
